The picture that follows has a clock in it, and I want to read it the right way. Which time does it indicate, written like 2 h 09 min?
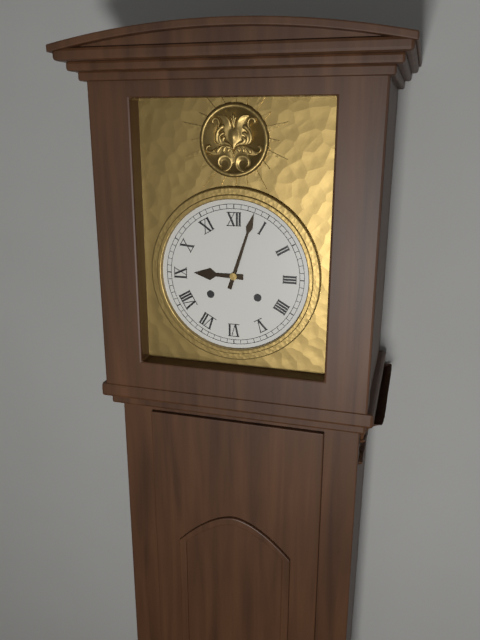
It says 9 h 03 min
